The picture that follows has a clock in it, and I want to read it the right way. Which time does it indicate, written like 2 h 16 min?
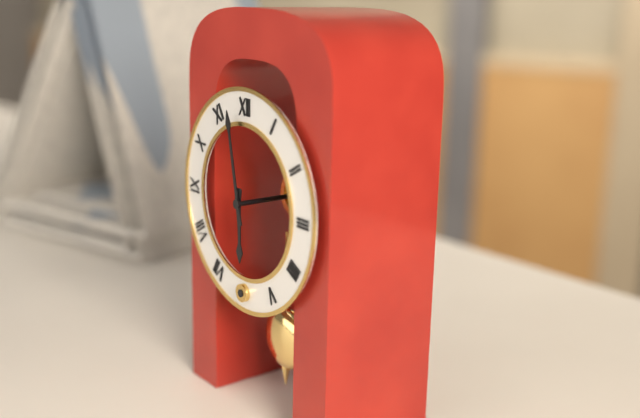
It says 5 h 58 min
